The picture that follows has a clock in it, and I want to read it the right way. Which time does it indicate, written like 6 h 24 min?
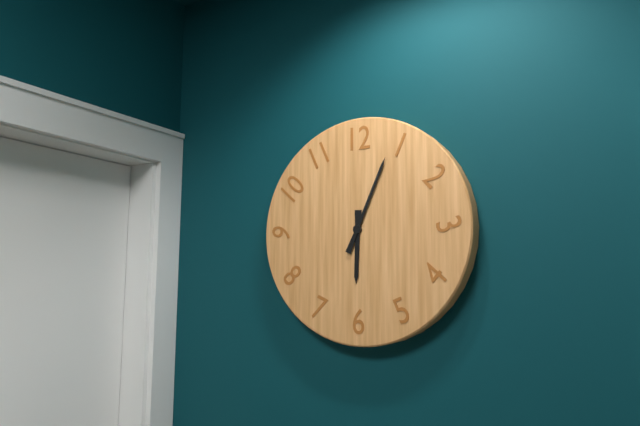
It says 6 h 04 min
